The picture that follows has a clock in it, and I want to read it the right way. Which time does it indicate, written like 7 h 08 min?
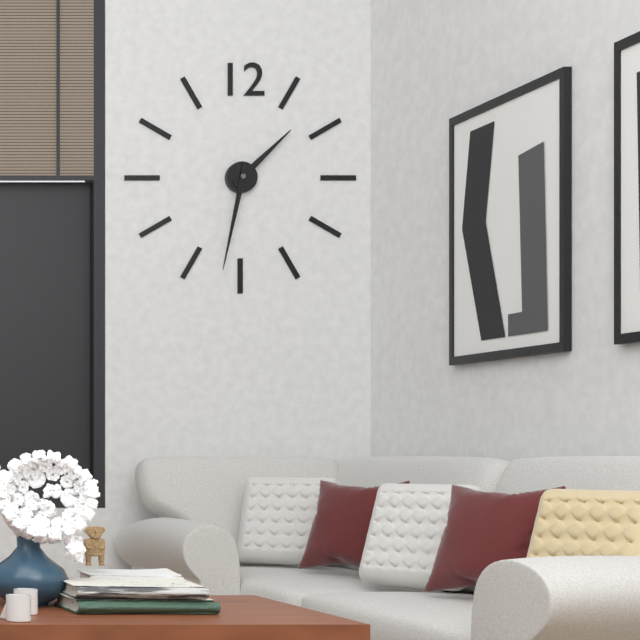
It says 1 h 32 min
